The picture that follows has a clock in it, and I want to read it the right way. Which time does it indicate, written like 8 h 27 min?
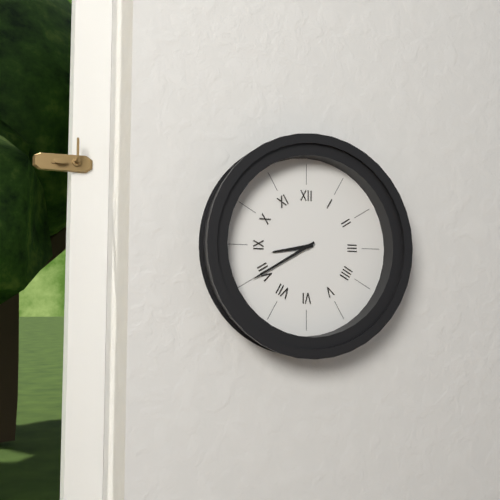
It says 8 h 40 min
